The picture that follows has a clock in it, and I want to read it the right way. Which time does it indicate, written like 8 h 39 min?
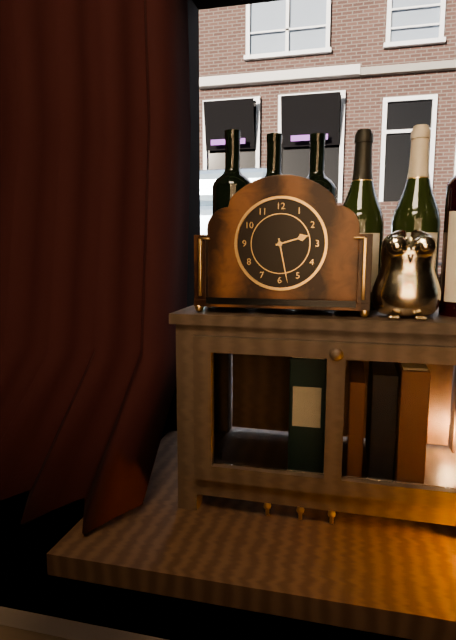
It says 2 h 28 min
